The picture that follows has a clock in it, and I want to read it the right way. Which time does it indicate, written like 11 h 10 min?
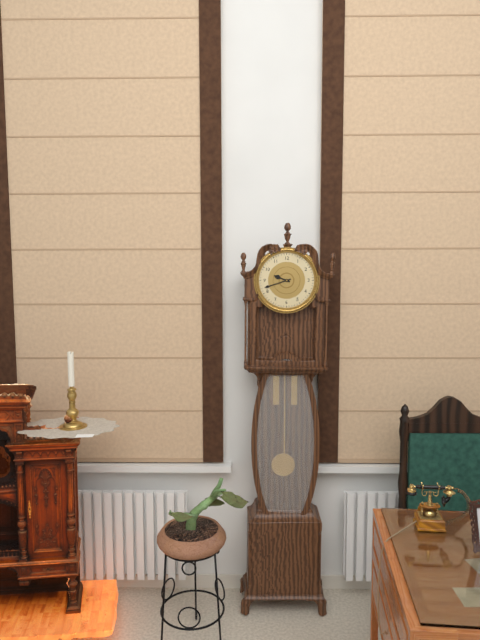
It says 9 h 42 min
